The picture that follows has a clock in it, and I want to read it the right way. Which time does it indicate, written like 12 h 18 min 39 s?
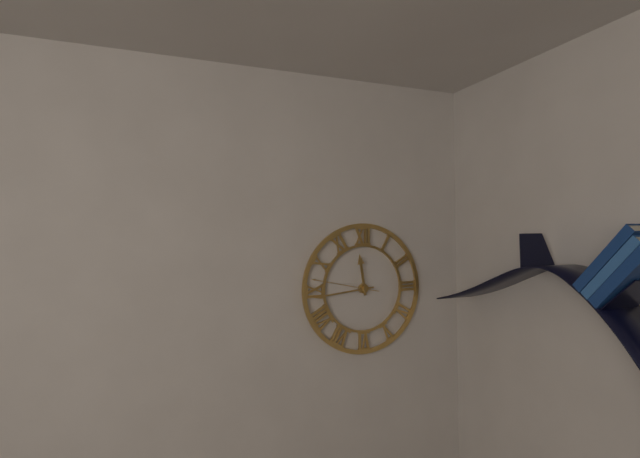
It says 11 h 44 min 47 s
